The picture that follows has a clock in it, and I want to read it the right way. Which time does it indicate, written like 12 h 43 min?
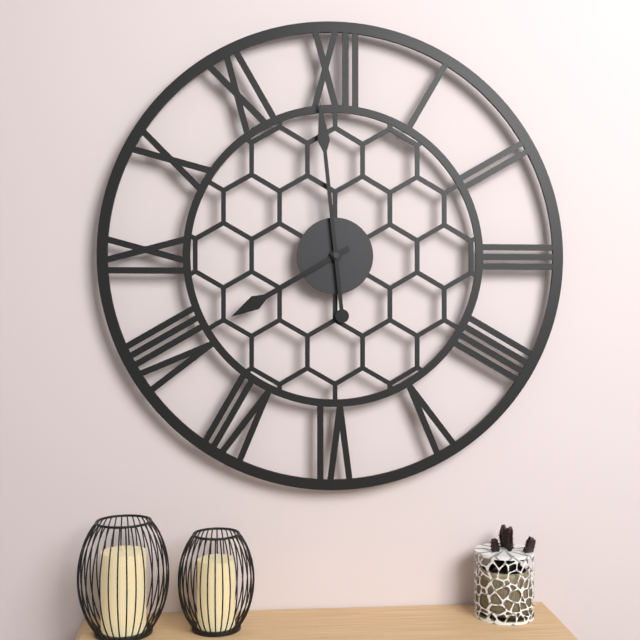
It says 7 h 59 min
